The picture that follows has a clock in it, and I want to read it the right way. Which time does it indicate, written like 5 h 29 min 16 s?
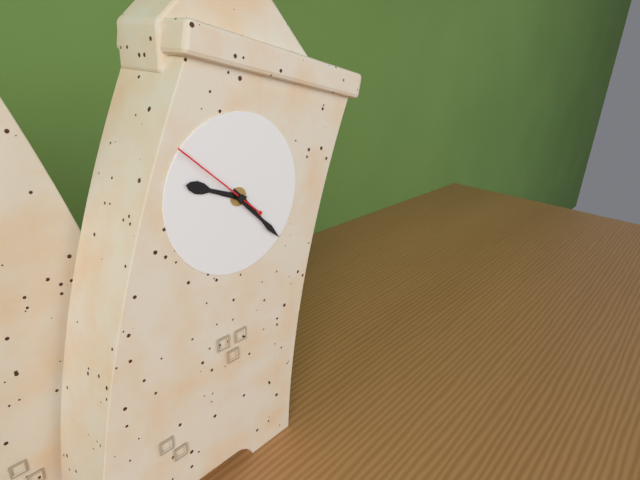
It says 9 h 21 min 50 s
